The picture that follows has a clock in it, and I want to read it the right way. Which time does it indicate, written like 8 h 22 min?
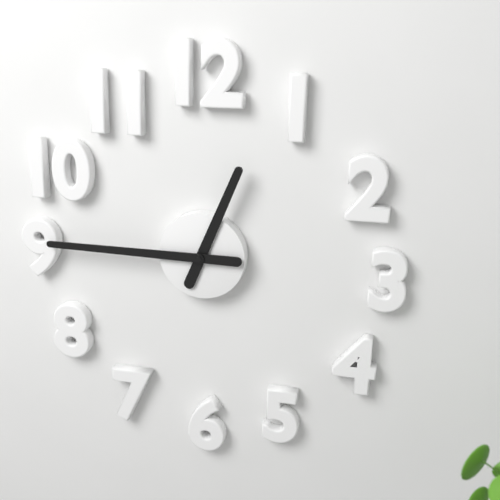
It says 12 h 45 min
